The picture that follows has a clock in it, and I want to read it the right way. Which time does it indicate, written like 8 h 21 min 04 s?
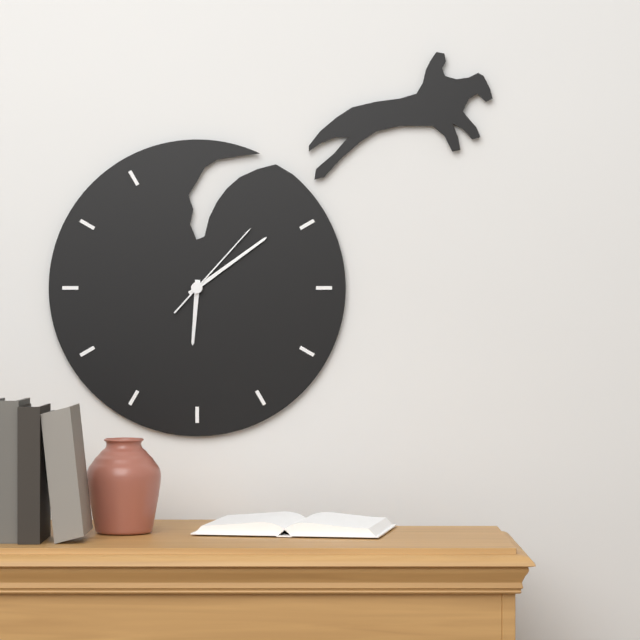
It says 6 h 09 min 07 s
